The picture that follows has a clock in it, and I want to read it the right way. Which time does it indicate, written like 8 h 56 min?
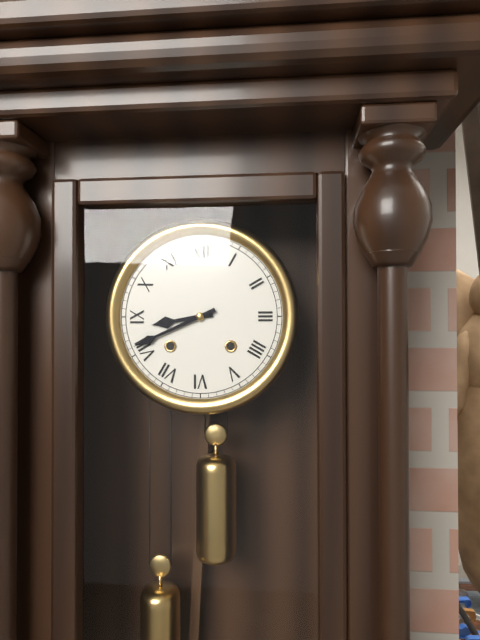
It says 8 h 41 min
